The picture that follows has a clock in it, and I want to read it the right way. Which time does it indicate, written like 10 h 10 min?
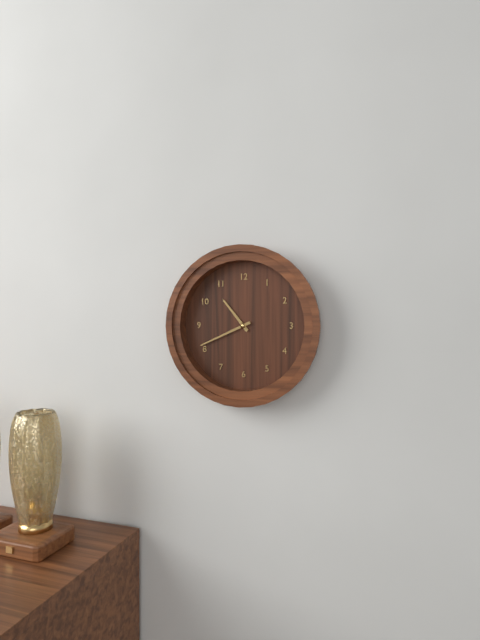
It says 10 h 41 min
